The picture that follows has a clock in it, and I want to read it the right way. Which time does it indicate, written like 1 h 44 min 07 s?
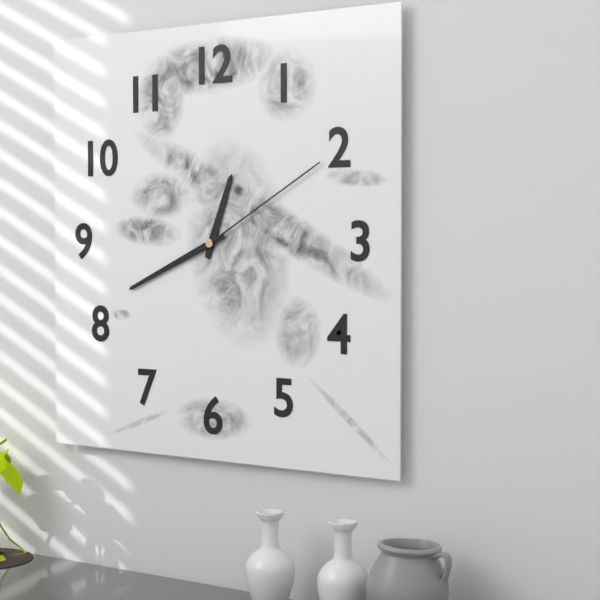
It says 12 h 41 min 10 s
